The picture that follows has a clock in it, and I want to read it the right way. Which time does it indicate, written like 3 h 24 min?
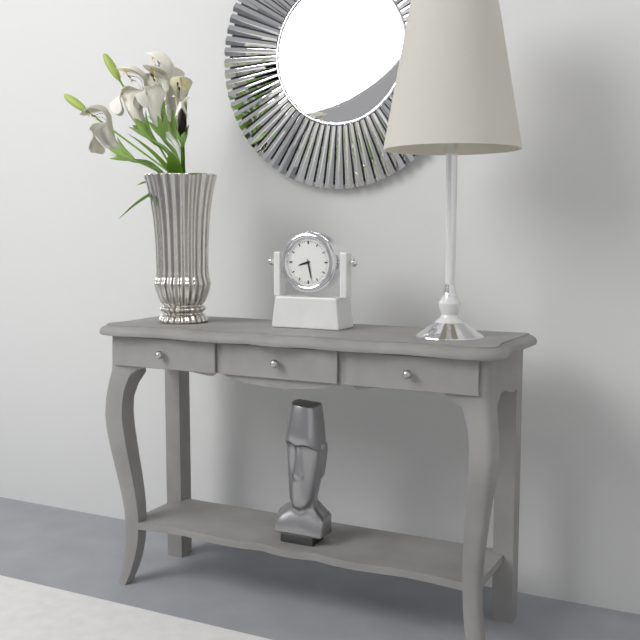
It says 8 h 28 min
